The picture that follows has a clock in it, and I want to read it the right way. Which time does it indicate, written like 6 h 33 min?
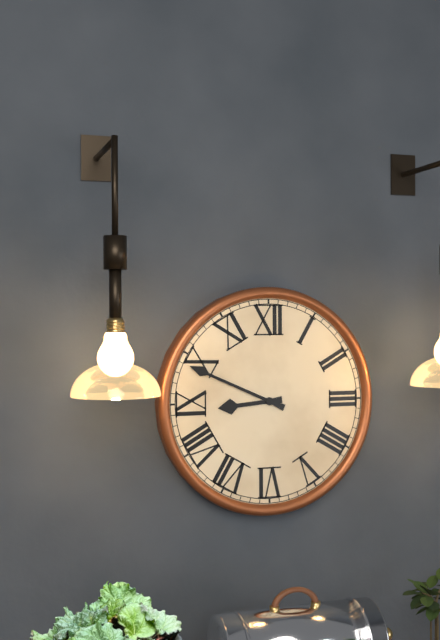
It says 8 h 49 min
